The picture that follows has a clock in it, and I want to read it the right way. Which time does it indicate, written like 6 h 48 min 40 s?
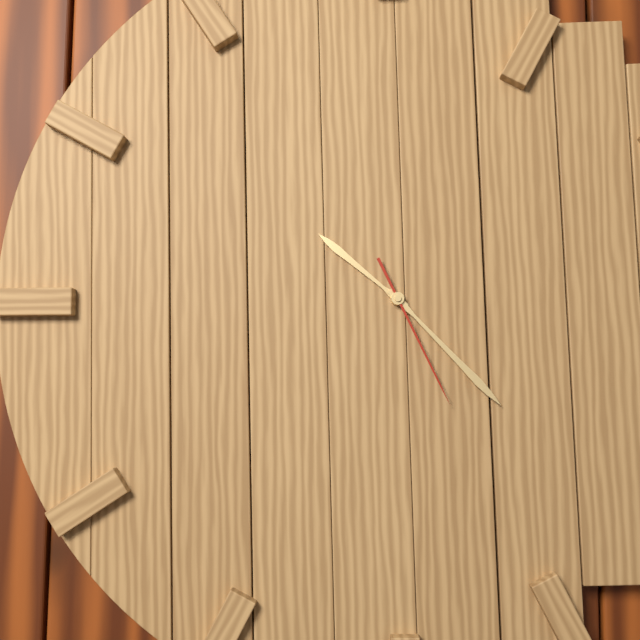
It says 10 h 23 min 26 s
